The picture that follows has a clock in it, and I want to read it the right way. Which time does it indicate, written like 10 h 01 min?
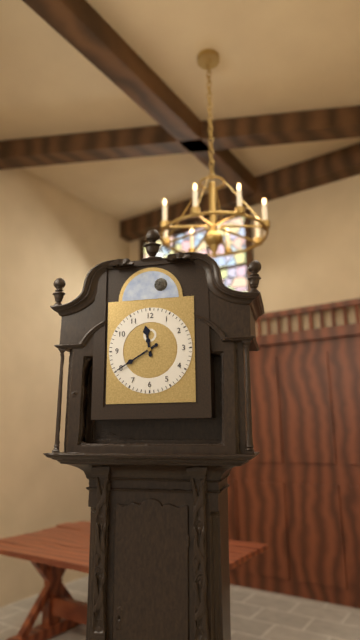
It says 11 h 40 min
